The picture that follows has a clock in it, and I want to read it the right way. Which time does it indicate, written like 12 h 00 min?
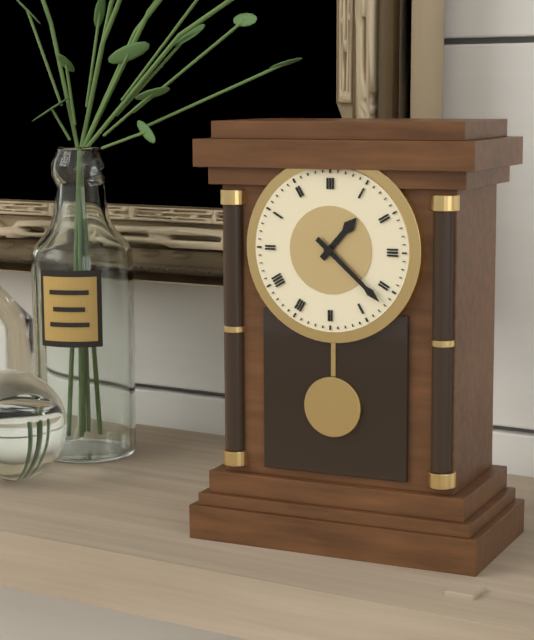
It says 1 h 22 min
